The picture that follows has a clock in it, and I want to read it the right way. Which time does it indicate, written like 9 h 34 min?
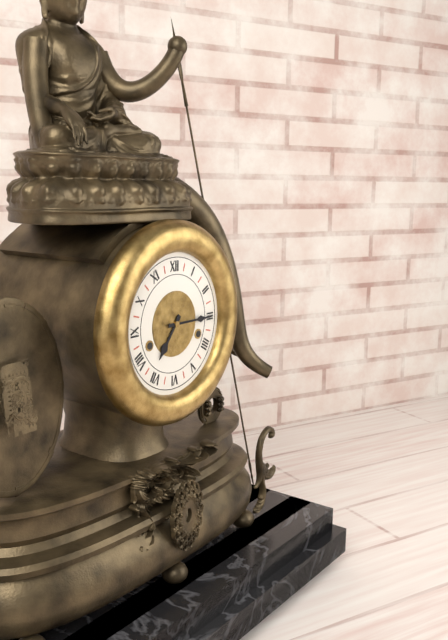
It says 7 h 15 min
